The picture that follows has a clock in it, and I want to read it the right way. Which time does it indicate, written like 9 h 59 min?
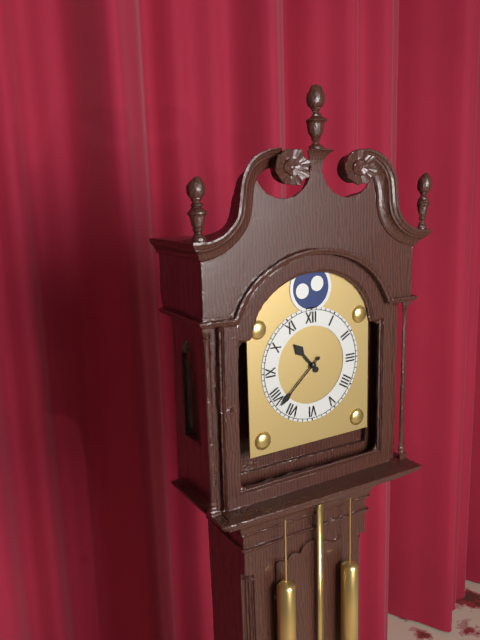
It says 10 h 38 min
